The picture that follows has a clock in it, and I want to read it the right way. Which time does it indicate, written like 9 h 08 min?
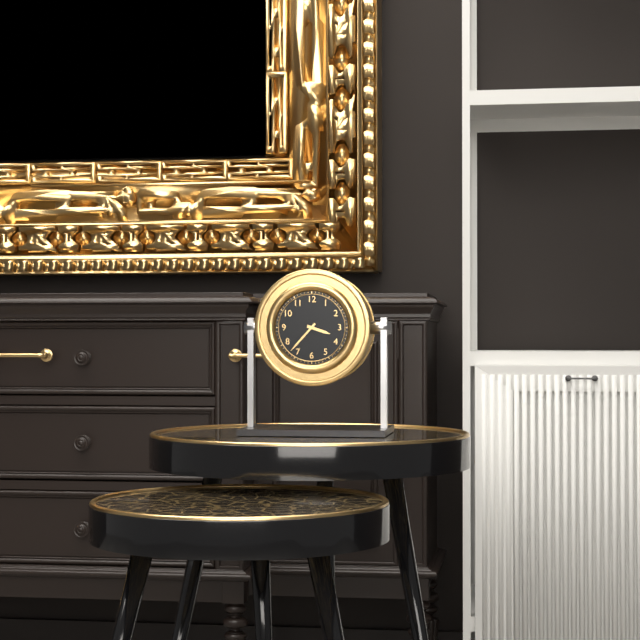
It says 3 h 37 min
